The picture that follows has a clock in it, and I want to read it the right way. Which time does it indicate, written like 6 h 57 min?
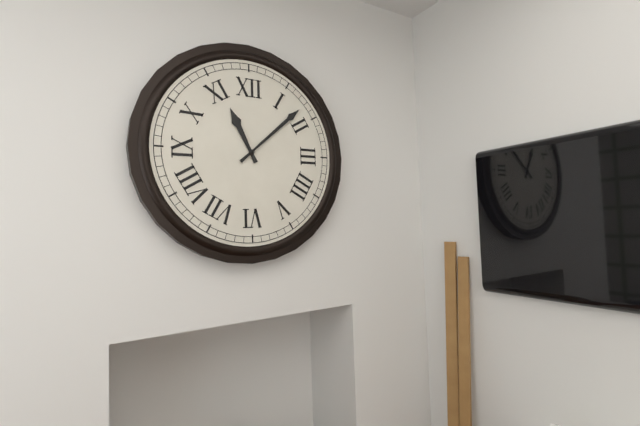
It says 11 h 08 min
